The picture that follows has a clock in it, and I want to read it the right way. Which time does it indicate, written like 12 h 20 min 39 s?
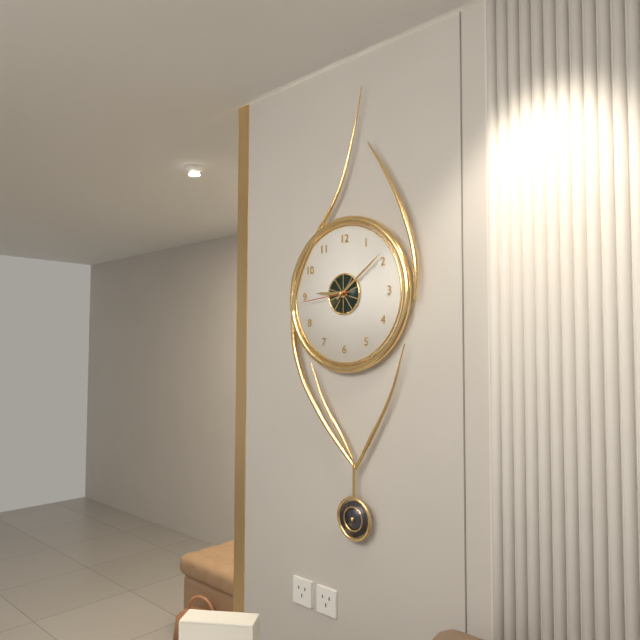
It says 9 h 09 min 44 s
